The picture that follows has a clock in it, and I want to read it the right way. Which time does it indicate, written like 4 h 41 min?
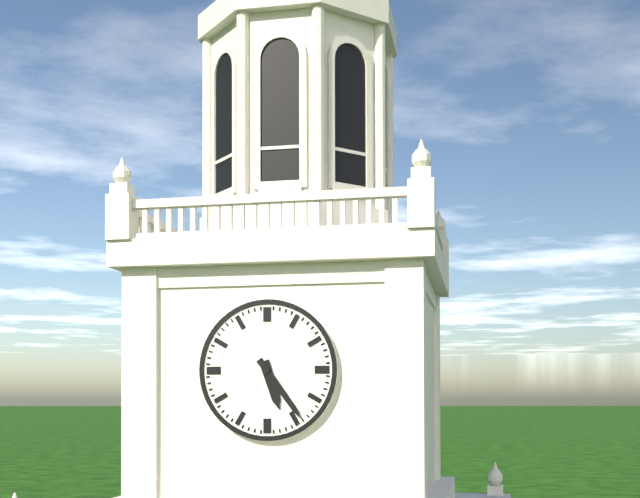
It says 5 h 24 min
